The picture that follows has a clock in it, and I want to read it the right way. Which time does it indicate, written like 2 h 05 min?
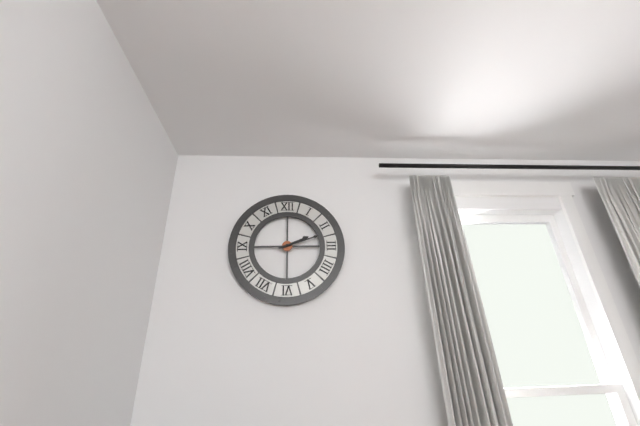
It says 2 h 12 min
